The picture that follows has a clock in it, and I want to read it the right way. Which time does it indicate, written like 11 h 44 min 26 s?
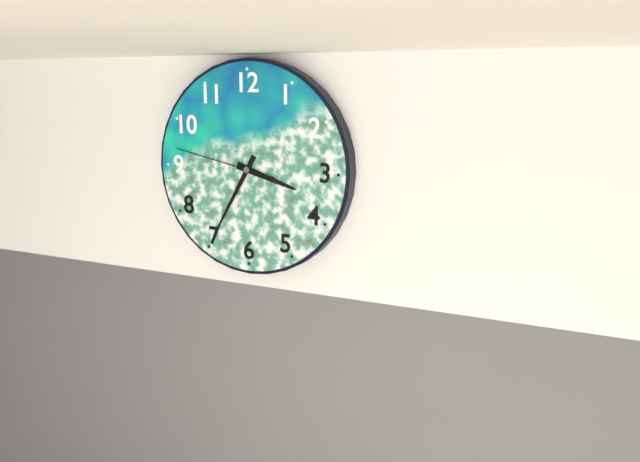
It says 3 h 35 min 47 s
